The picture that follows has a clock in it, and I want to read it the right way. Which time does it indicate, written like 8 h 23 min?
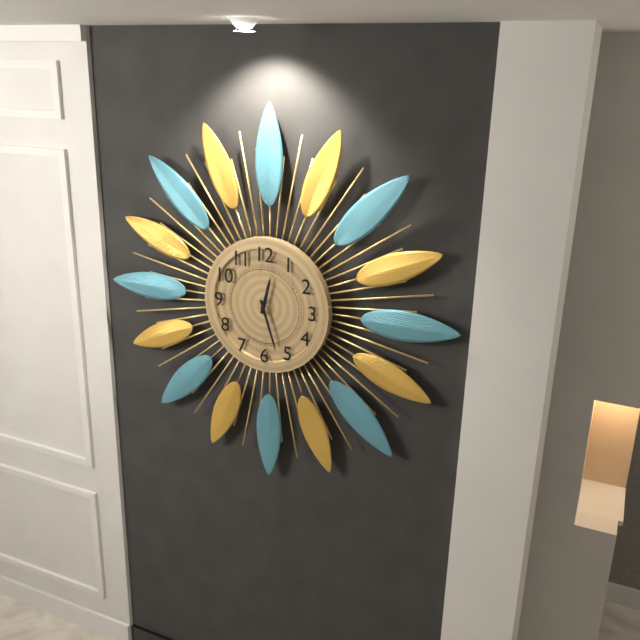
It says 12 h 27 min
